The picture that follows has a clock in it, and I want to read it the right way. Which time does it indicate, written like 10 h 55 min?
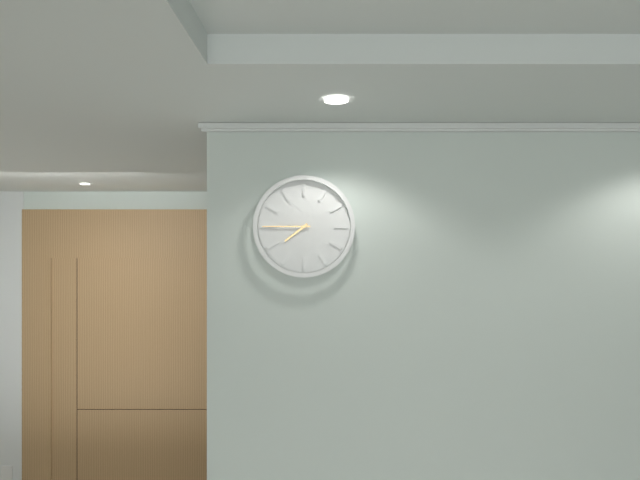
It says 7 h 45 min
